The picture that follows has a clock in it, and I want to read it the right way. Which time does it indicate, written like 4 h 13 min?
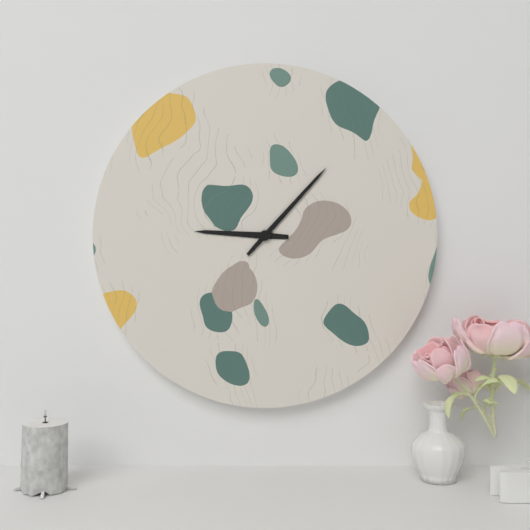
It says 9 h 07 min
